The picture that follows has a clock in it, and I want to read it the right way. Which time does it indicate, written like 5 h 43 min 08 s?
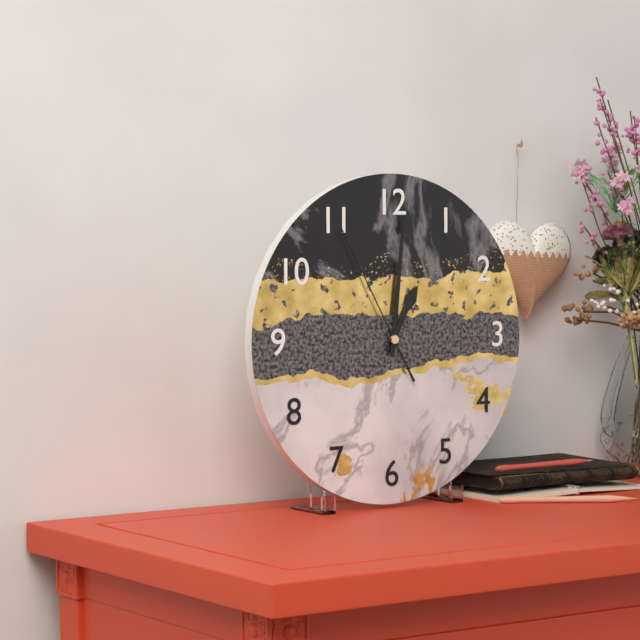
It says 1 h 01 min 55 s
